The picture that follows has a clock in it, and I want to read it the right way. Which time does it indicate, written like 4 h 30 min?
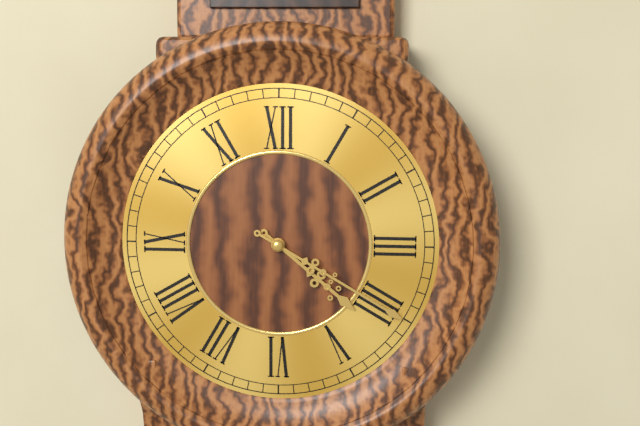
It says 4 h 20 min
